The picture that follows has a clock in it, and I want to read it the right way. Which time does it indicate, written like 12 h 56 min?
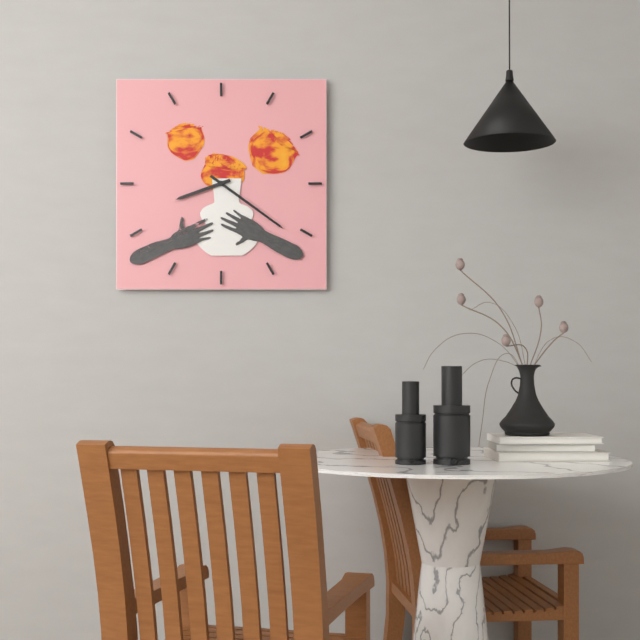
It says 8 h 21 min
